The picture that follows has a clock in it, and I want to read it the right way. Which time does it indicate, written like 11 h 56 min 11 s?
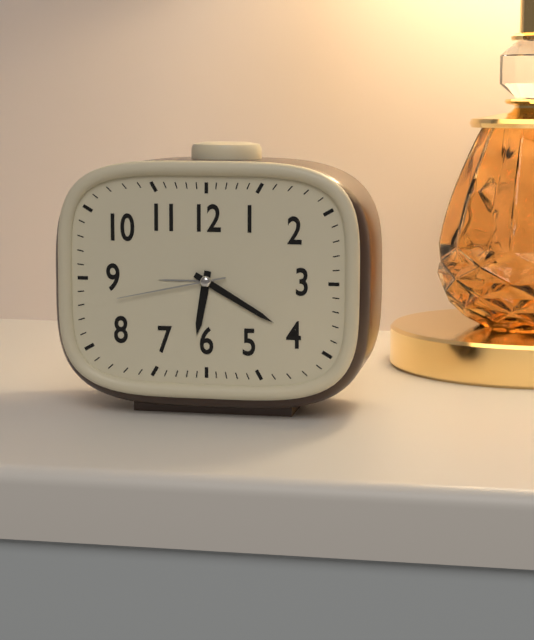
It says 6 h 20 min 43 s
